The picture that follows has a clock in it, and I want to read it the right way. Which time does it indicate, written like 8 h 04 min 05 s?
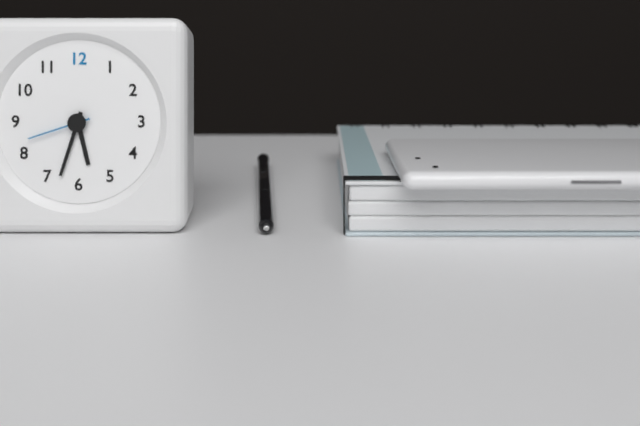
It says 5 h 33 min 42 s
